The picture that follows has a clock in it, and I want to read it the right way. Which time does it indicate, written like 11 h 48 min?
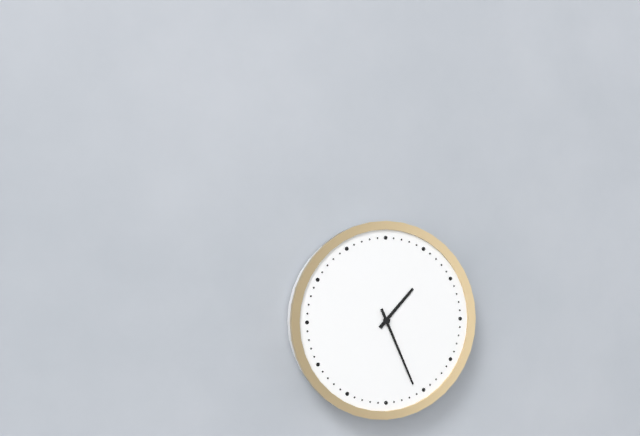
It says 1 h 26 min
